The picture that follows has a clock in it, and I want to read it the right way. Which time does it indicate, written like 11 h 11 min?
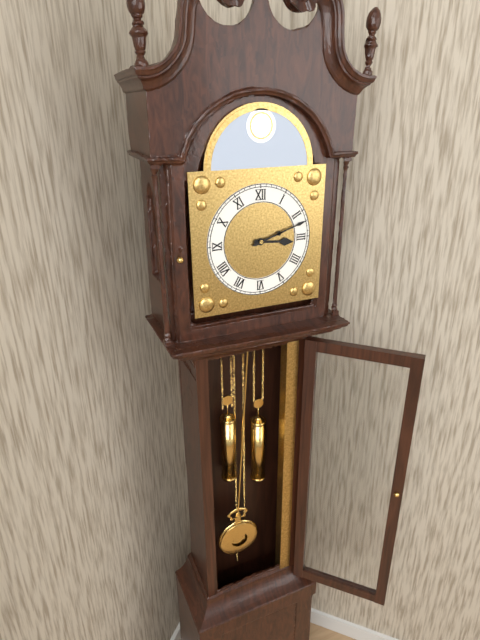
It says 3 h 12 min
